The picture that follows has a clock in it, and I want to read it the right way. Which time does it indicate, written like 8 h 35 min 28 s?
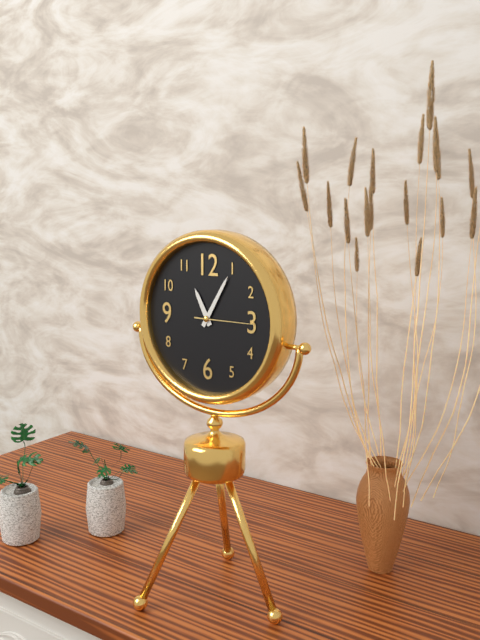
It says 11 h 05 min 15 s
